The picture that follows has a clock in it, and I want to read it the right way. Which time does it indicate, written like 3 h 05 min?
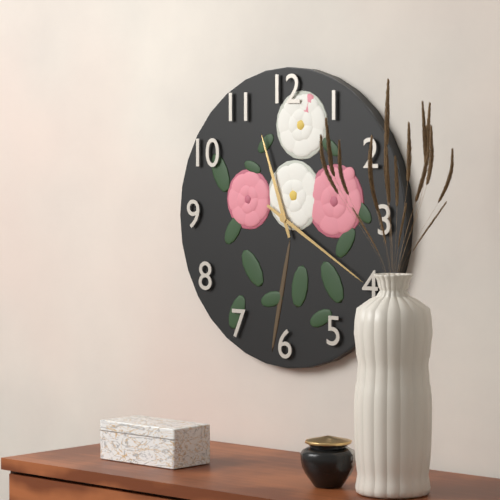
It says 11 h 20 min
